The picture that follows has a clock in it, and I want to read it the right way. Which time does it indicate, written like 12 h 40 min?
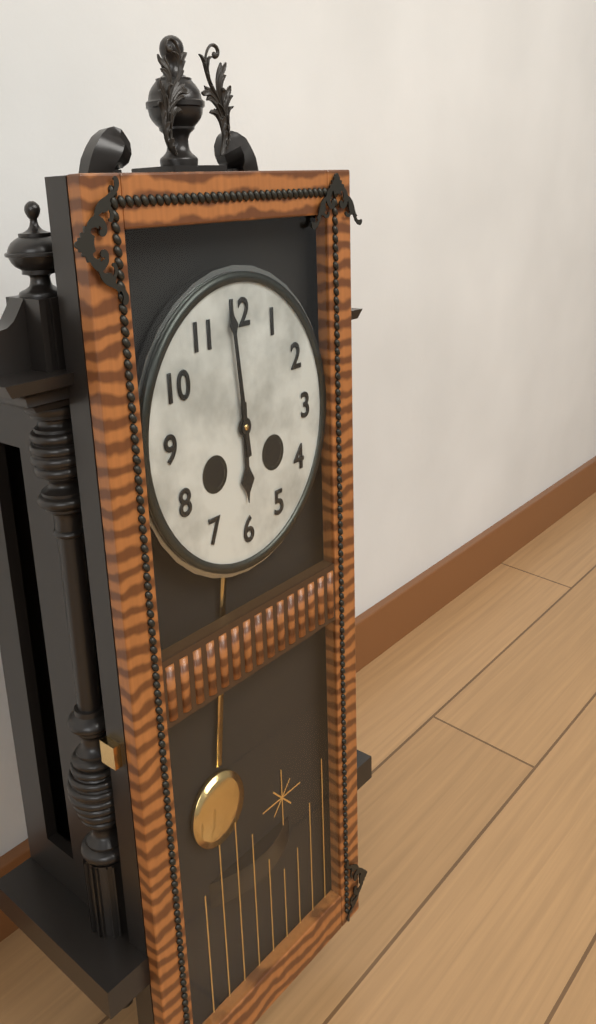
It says 5 h 59 min
